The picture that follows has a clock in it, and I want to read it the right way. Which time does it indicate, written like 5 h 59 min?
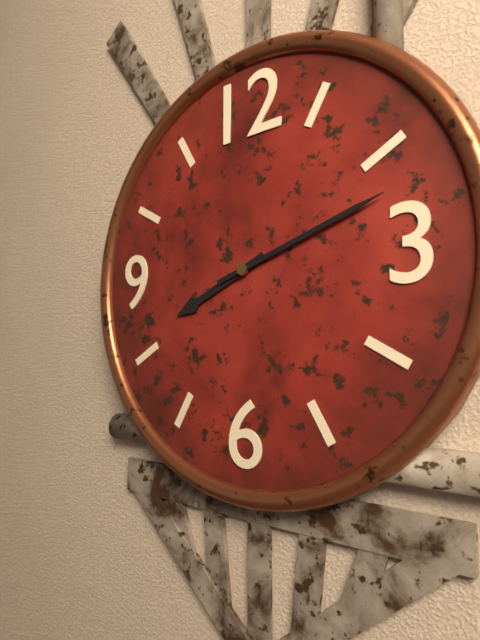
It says 8 h 12 min
